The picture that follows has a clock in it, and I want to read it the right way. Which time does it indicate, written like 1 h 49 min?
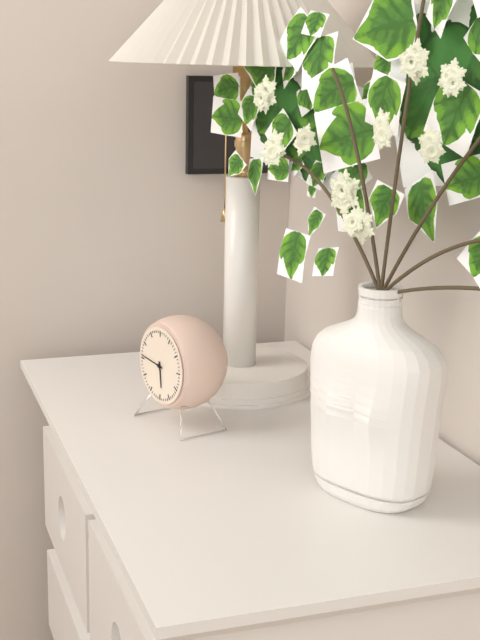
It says 5 h 46 min
